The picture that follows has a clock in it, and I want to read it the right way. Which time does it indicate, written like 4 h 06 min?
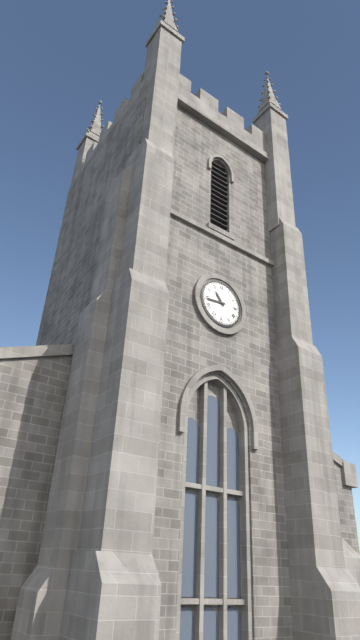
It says 10 h 44 min
